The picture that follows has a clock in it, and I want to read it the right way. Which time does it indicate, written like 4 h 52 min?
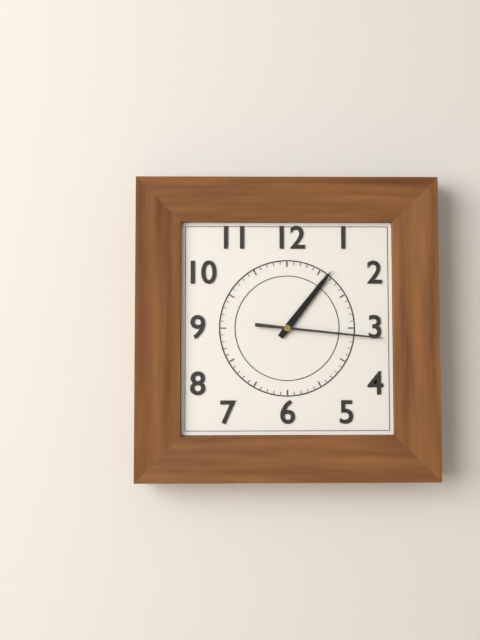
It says 1 h 16 min
